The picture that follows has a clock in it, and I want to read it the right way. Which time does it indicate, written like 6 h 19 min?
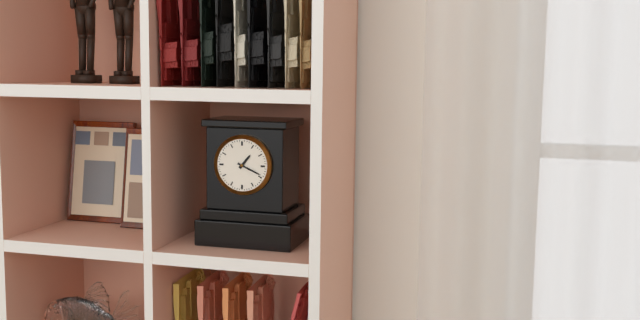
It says 1 h 19 min
